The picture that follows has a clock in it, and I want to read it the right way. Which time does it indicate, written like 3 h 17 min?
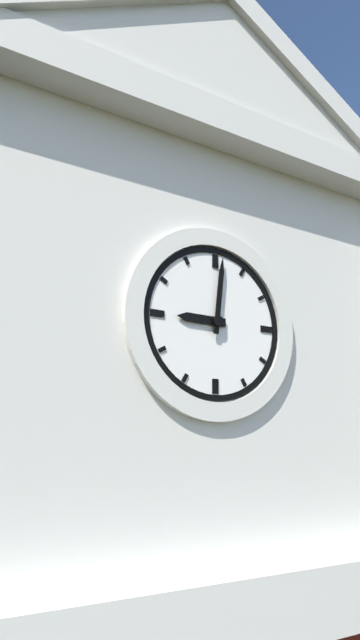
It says 9 h 01 min
